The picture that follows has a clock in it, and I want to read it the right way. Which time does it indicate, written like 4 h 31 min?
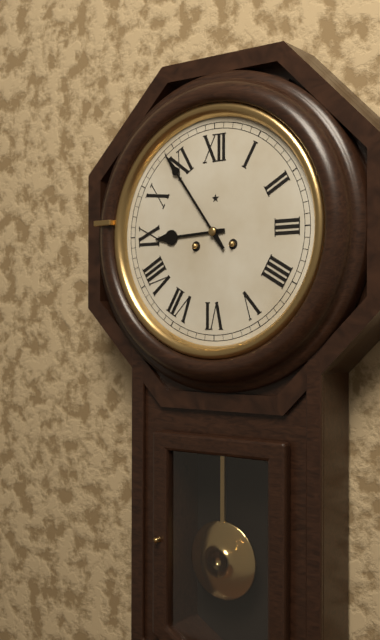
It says 8 h 54 min
